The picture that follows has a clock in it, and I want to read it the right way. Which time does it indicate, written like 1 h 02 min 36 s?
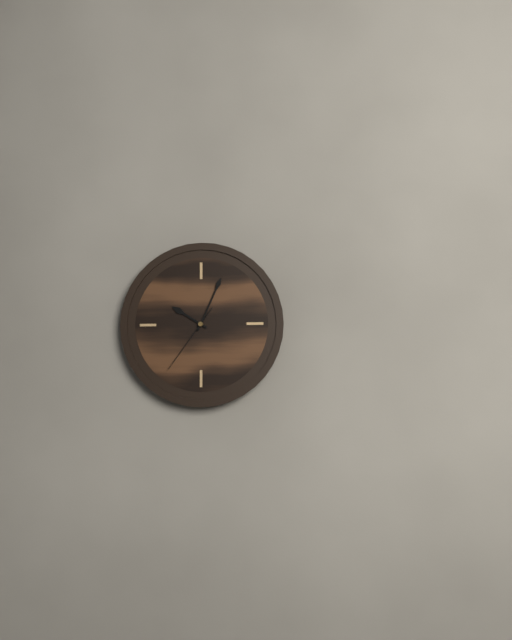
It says 10 h 04 min 36 s
